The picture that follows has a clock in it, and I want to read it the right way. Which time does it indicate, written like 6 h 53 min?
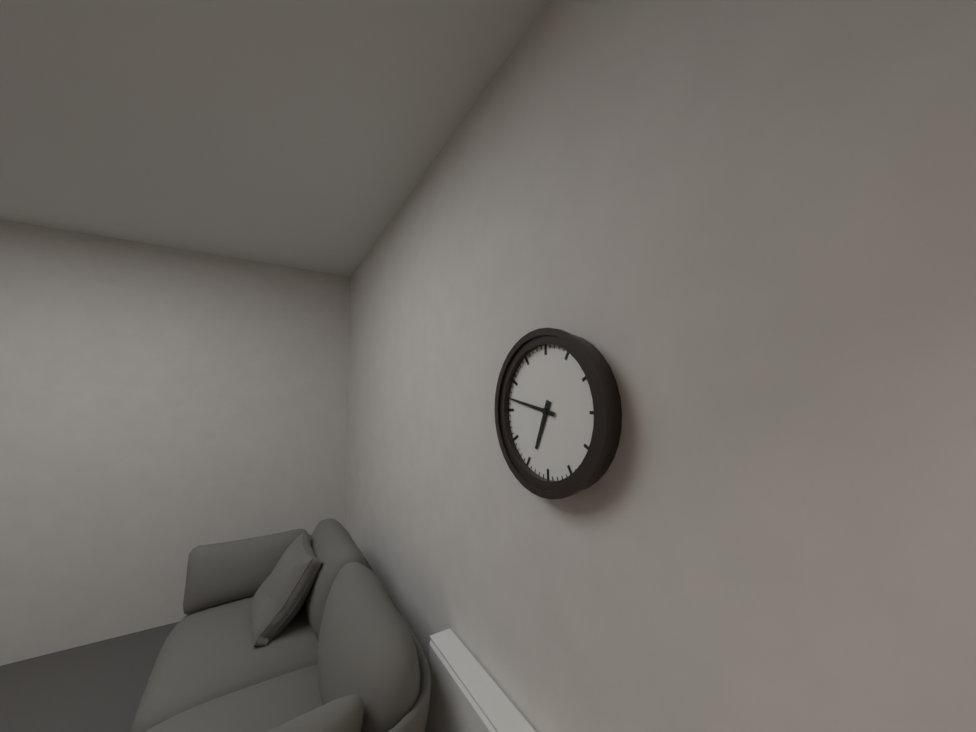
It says 6 h 47 min
